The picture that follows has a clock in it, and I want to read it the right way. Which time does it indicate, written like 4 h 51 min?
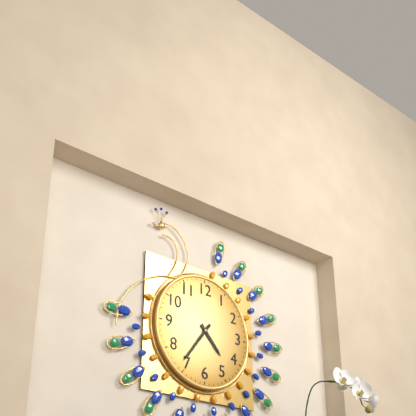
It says 4 h 36 min
